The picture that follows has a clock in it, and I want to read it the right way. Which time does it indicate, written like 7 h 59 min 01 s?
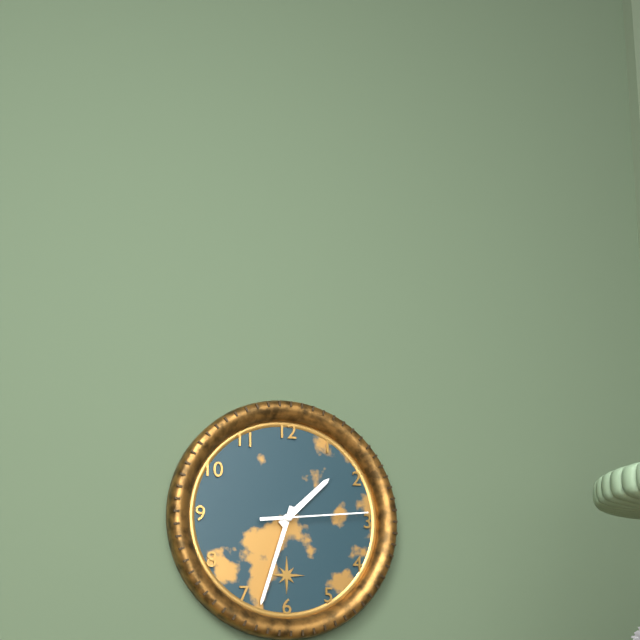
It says 1 h 33 min 14 s
